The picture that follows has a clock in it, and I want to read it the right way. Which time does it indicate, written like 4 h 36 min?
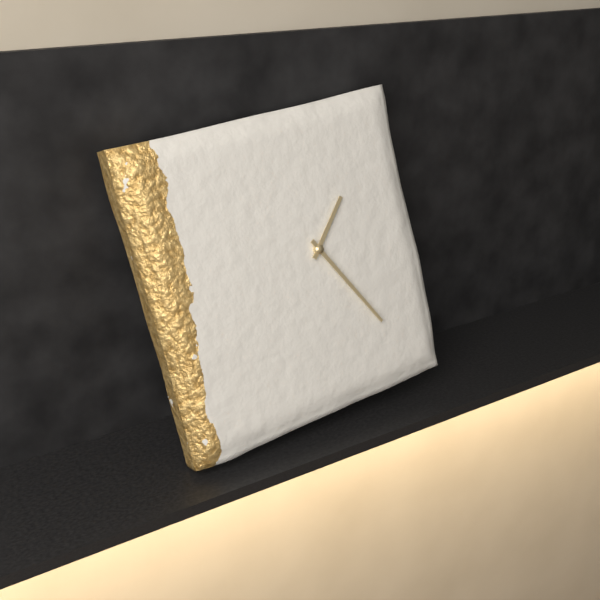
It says 1 h 25 min
